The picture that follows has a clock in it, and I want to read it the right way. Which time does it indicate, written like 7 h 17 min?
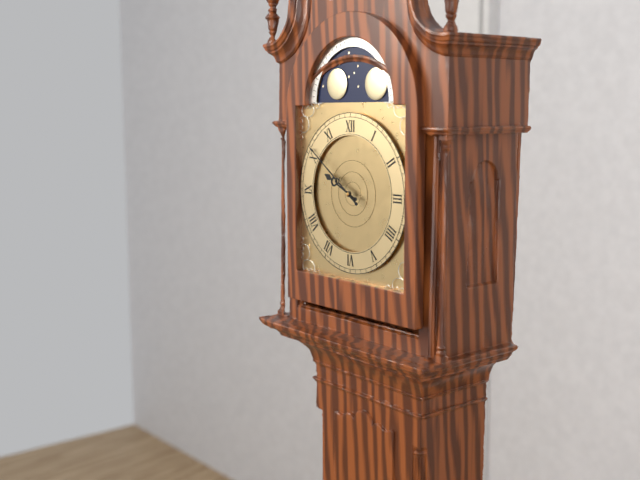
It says 9 h 51 min
